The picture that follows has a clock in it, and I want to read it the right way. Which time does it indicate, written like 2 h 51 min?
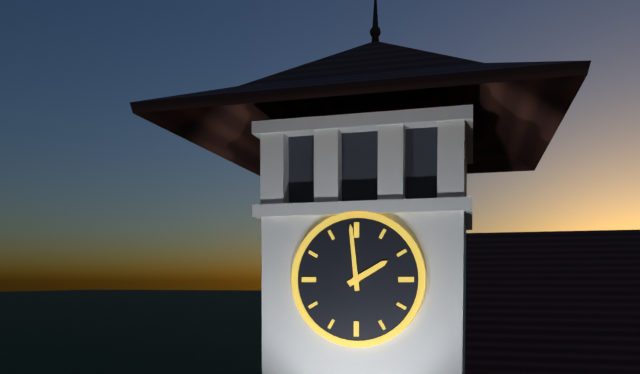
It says 1 h 59 min
